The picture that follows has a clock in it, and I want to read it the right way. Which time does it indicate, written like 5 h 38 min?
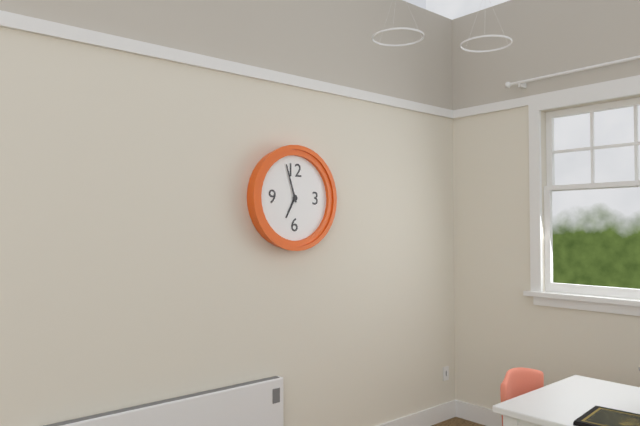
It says 6 h 57 min
